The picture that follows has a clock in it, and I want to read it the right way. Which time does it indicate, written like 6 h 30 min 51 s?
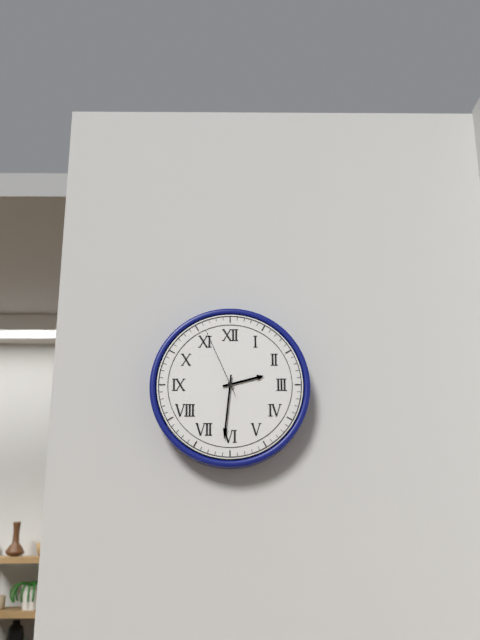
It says 2 h 31 min 56 s
